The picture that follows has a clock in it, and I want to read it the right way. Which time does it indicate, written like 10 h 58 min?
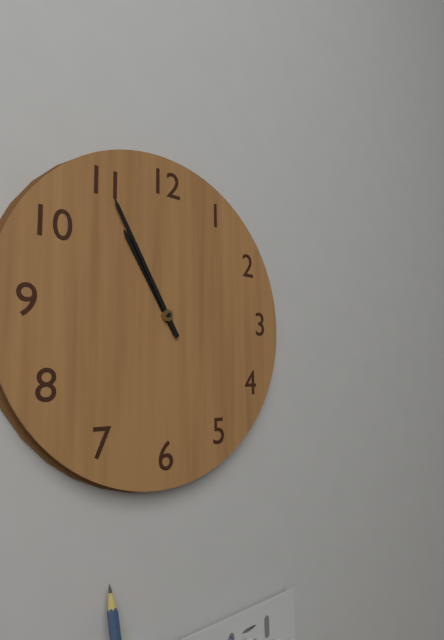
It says 10 h 55 min
